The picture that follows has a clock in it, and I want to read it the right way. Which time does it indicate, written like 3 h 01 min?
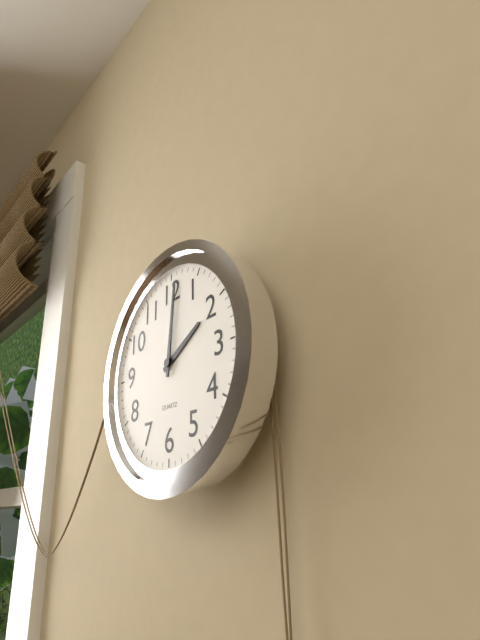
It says 2 h 01 min
